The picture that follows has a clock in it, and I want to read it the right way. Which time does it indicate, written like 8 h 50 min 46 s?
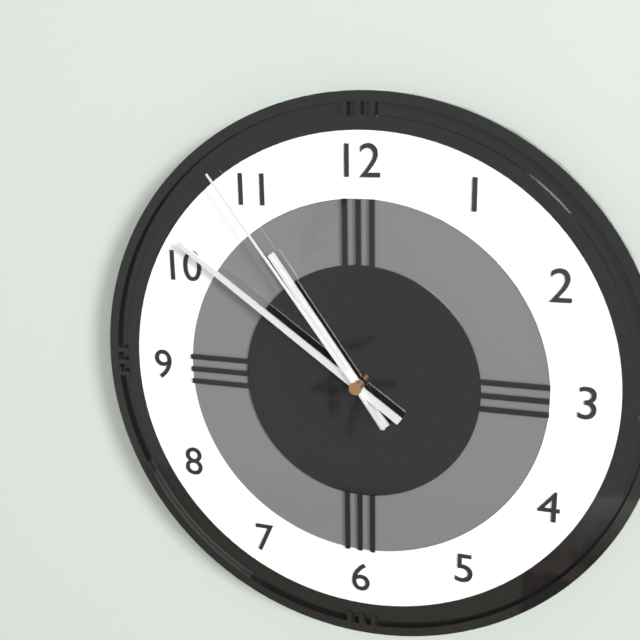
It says 10 h 51 min 54 s
